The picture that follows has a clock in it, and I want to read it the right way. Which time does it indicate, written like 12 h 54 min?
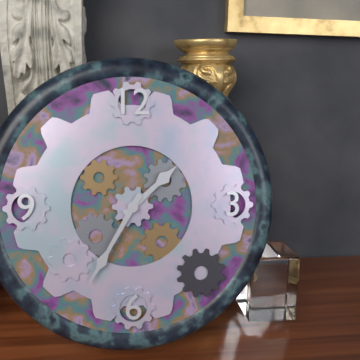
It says 1 h 35 min
